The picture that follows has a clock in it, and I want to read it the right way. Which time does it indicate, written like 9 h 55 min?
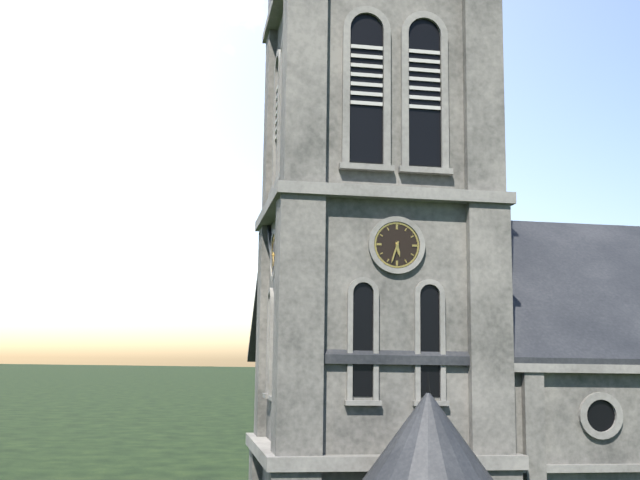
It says 5 h 33 min
